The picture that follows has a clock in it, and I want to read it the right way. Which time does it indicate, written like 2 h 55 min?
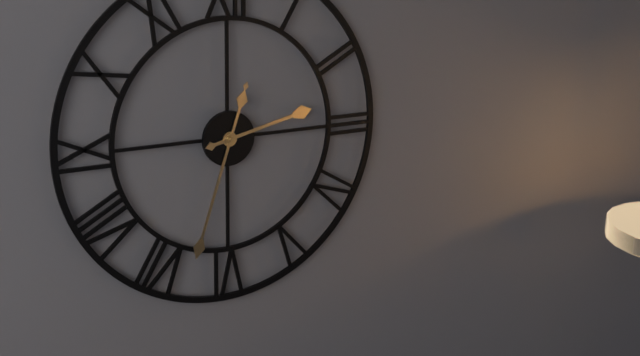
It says 2 h 33 min
